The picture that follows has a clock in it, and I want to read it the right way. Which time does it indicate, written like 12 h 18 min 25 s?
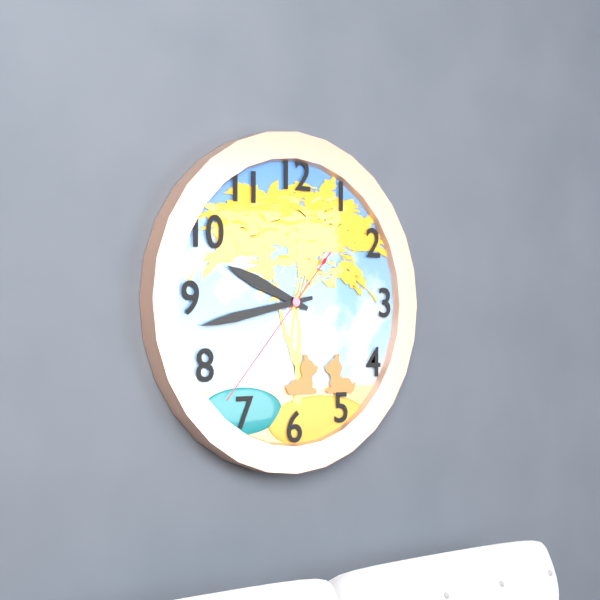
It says 9 h 43 min 37 s
